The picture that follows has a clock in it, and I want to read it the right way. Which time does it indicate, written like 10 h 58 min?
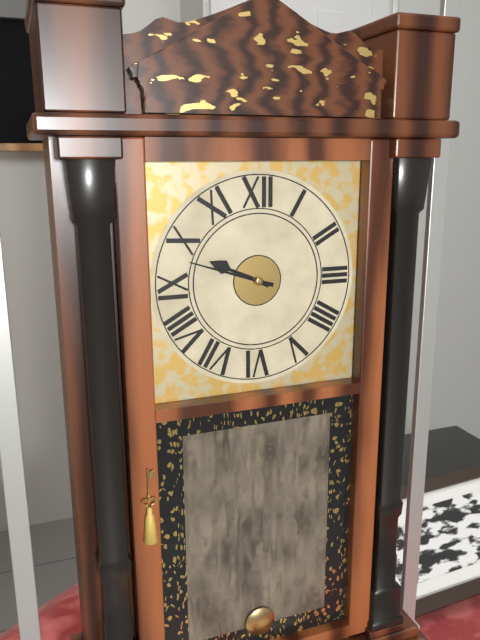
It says 9 h 48 min
